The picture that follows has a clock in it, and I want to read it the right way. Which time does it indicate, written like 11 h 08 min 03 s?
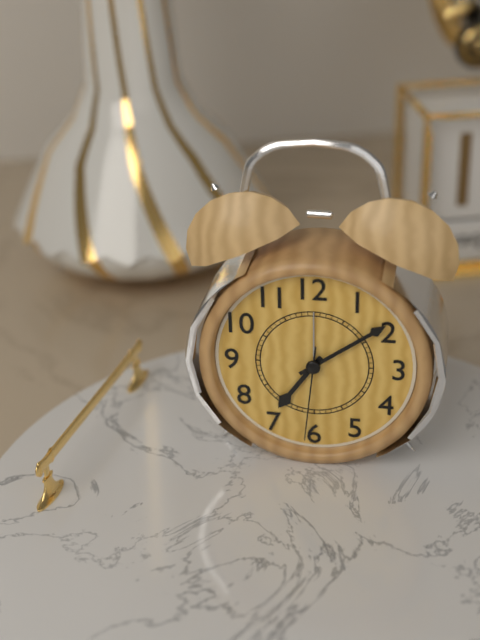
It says 7 h 09 min 31 s
